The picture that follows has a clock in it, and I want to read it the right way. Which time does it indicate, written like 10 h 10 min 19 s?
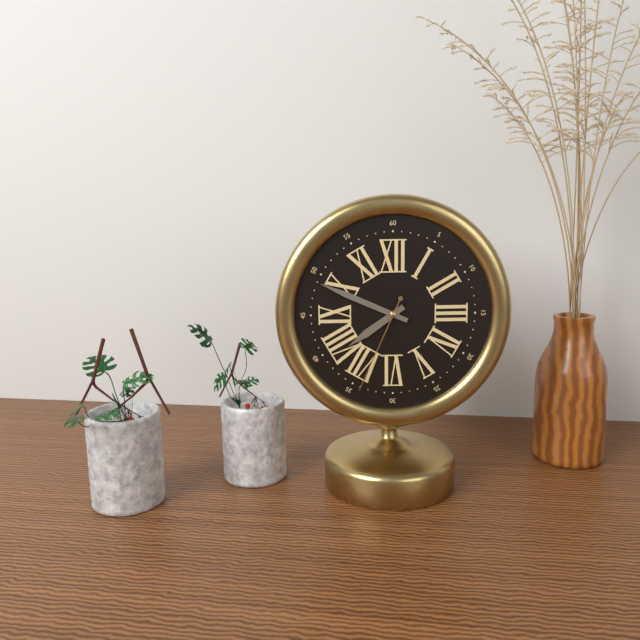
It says 7 h 49 min 34 s
